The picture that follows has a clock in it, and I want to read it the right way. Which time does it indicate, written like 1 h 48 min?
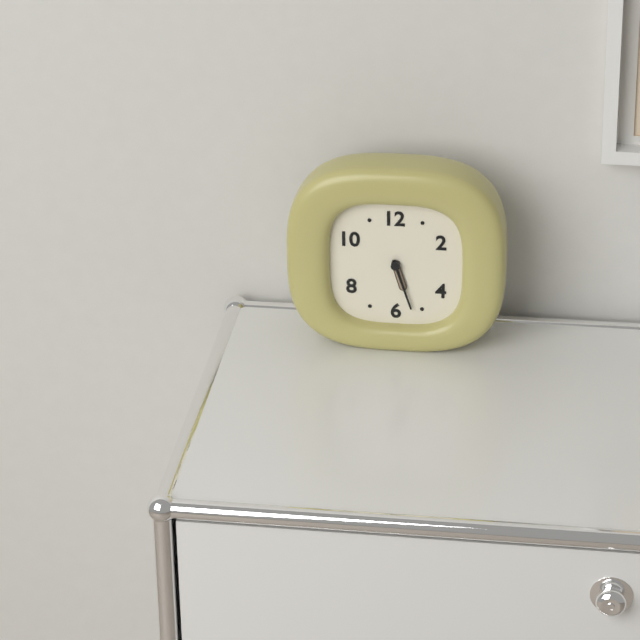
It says 5 h 27 min
